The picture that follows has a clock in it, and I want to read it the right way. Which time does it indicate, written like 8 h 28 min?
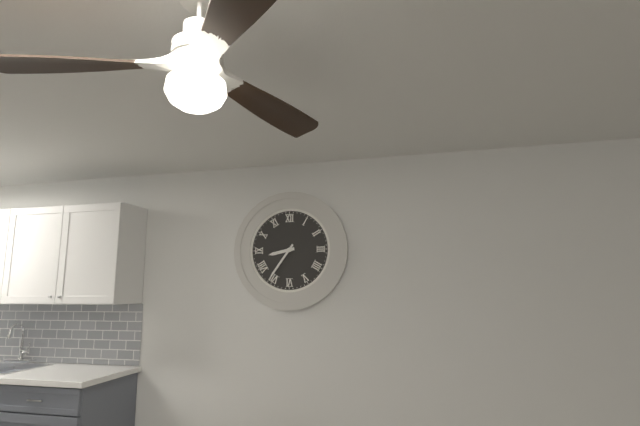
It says 8 h 36 min
